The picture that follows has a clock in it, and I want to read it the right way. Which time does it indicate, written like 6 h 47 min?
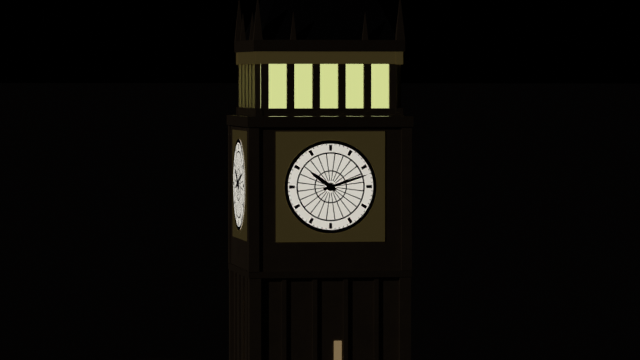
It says 10 h 12 min
